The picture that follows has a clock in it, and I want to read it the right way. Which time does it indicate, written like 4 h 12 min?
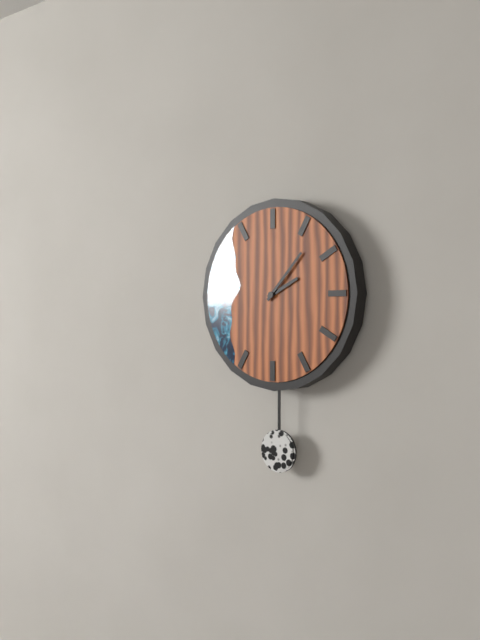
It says 2 h 07 min
